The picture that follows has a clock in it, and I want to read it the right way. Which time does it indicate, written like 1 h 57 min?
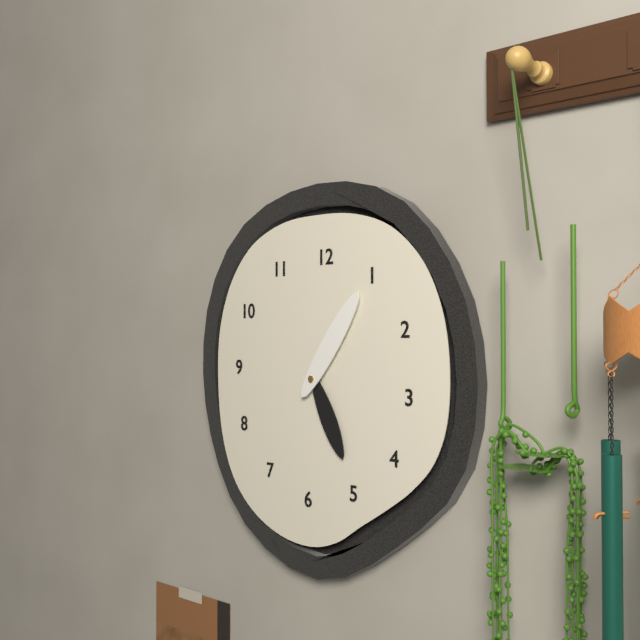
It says 5 h 06 min
